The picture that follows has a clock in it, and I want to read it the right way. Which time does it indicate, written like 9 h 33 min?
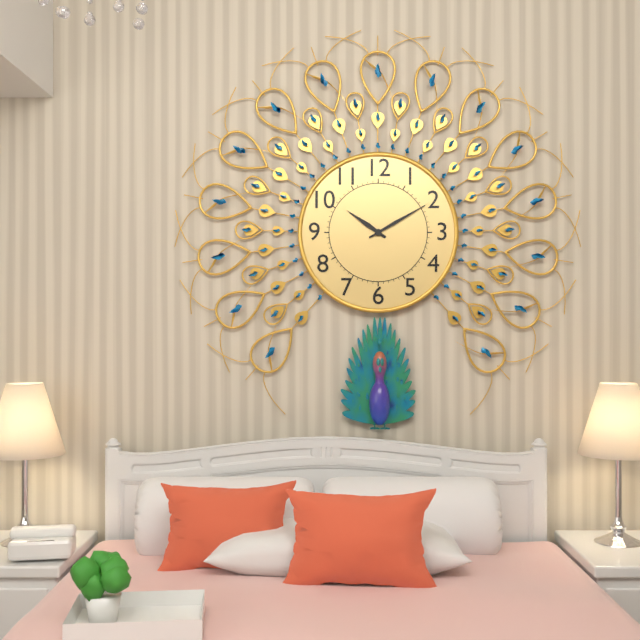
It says 10 h 10 min
